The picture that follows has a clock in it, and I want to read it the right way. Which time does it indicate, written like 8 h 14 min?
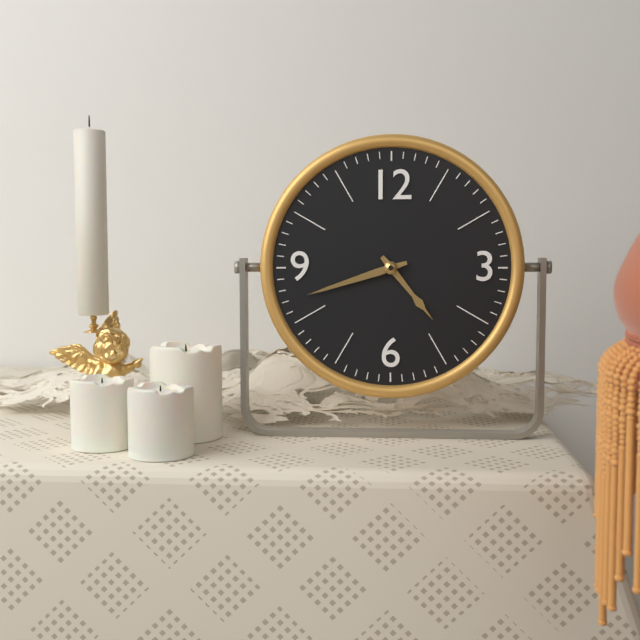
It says 4 h 42 min
